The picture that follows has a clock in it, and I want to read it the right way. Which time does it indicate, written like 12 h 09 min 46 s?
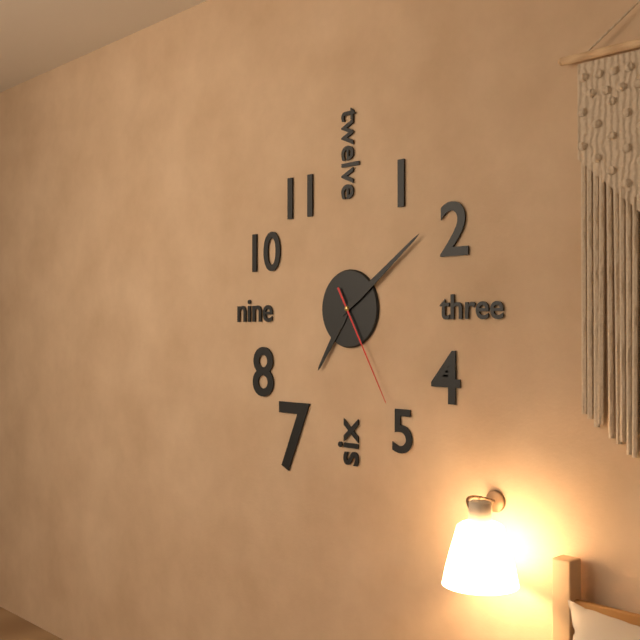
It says 7 h 09 min 25 s
